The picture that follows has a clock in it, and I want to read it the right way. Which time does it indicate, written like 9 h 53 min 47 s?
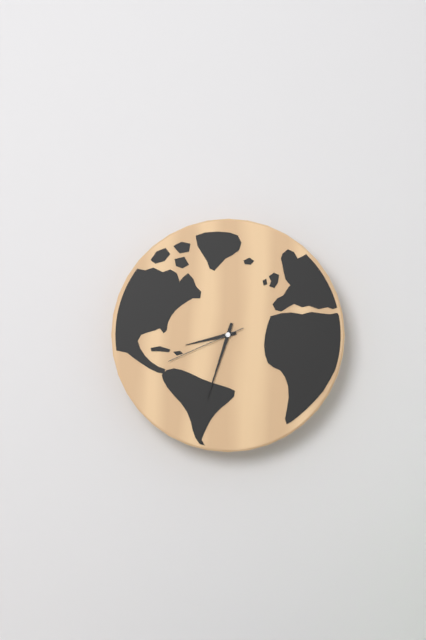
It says 8 h 33 min 41 s
